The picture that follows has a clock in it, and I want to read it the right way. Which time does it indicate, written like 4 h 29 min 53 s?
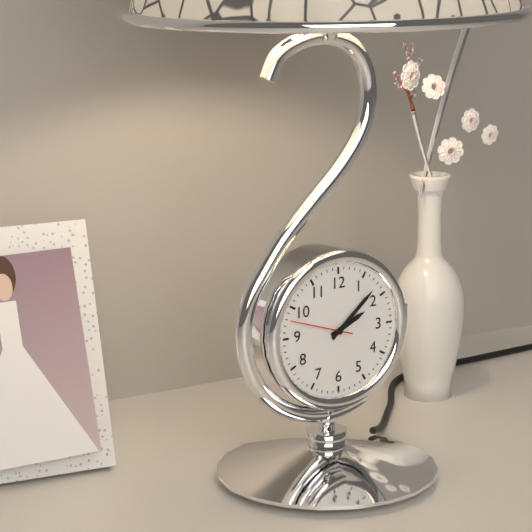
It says 2 h 08 min 48 s
